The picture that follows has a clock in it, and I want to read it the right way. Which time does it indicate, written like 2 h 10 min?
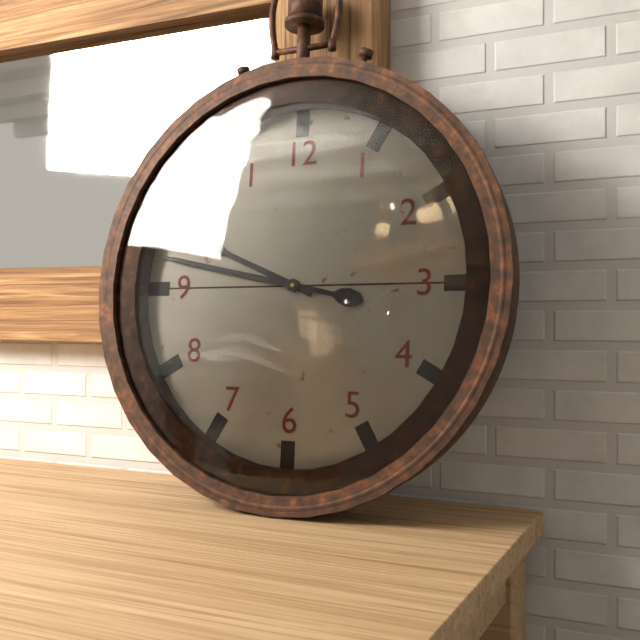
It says 9 h 47 min
